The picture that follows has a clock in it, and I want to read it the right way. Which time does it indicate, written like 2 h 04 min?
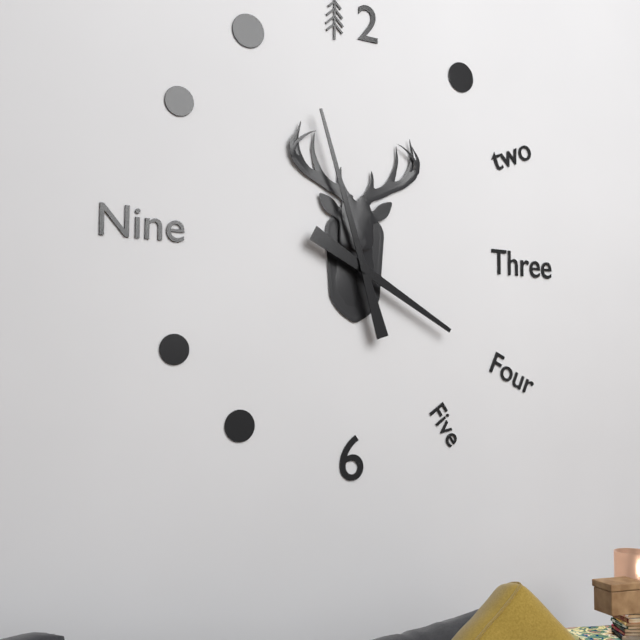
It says 3 h 57 min
